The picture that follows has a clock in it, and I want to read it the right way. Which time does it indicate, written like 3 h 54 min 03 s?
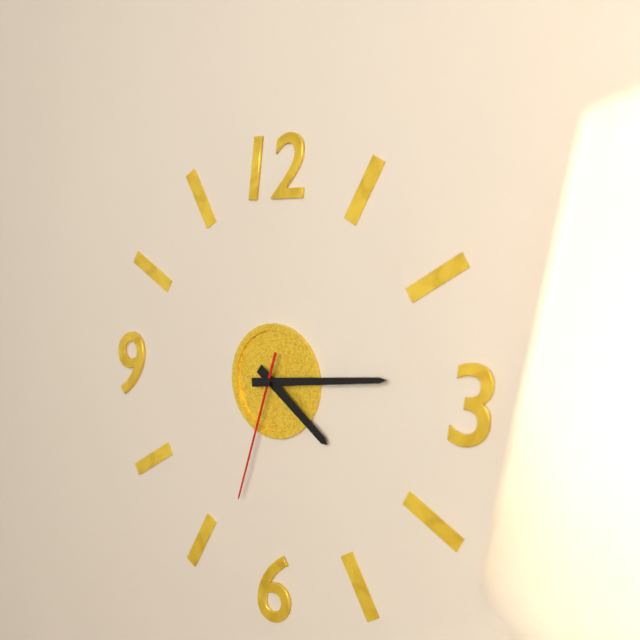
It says 4 h 14 min 33 s
